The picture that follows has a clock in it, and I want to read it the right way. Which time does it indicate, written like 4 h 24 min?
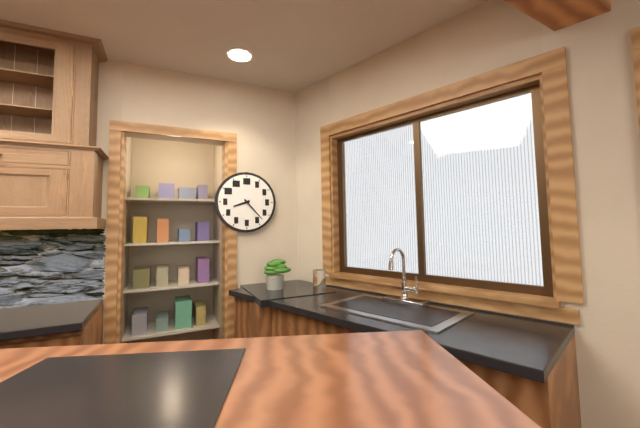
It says 8 h 23 min
